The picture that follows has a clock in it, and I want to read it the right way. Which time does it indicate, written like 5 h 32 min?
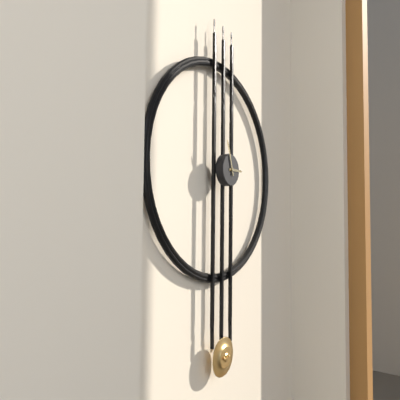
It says 2 h 57 min
